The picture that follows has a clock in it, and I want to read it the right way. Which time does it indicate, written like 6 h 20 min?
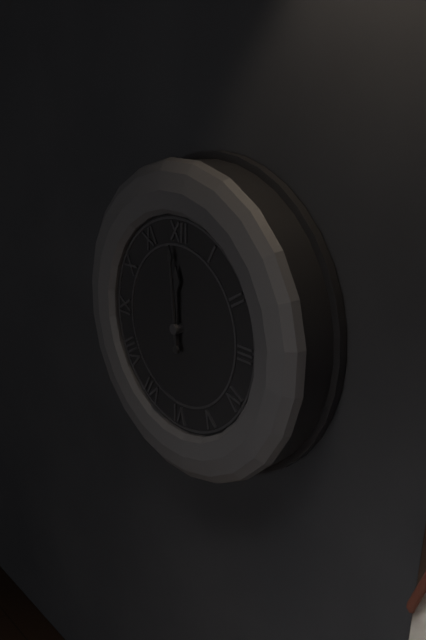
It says 11 h 59 min
